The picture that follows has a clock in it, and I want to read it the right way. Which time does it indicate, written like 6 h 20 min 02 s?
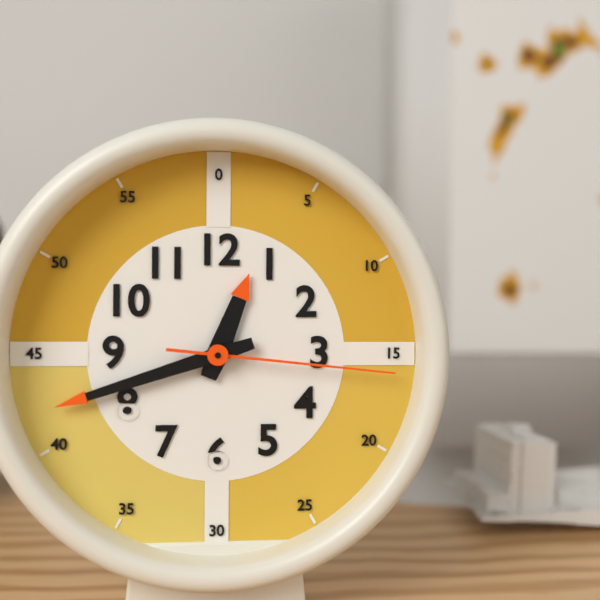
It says 12 h 42 min 16 s
